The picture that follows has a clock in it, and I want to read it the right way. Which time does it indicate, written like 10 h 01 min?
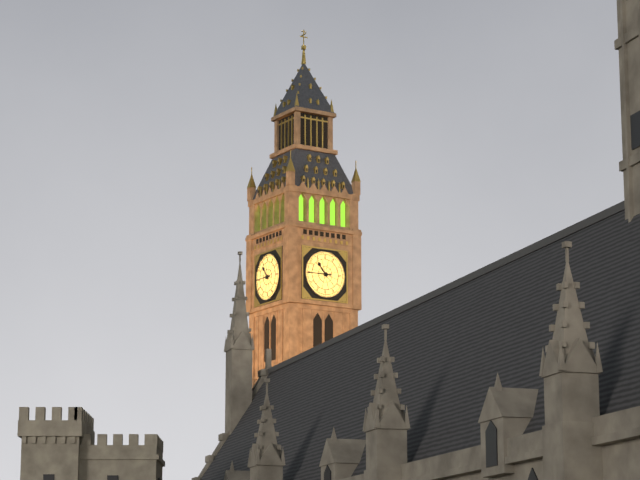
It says 10 h 45 min
